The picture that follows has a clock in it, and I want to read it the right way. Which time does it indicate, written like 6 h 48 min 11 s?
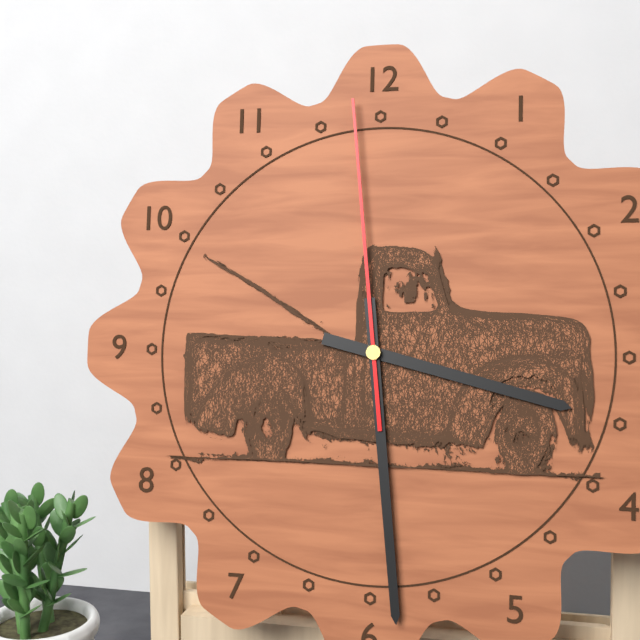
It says 3 h 29 min 59 s
